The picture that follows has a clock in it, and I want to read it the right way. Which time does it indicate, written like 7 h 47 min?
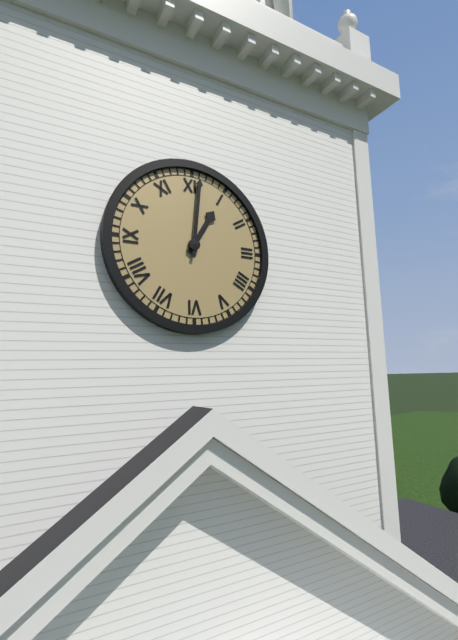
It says 1 h 01 min
